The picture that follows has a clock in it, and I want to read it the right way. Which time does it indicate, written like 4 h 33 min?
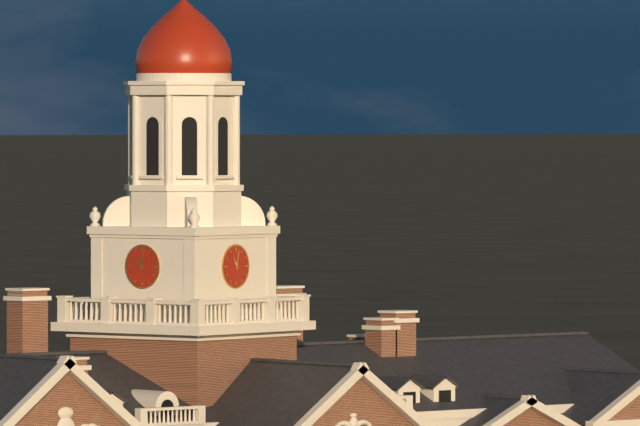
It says 11 h 02 min
